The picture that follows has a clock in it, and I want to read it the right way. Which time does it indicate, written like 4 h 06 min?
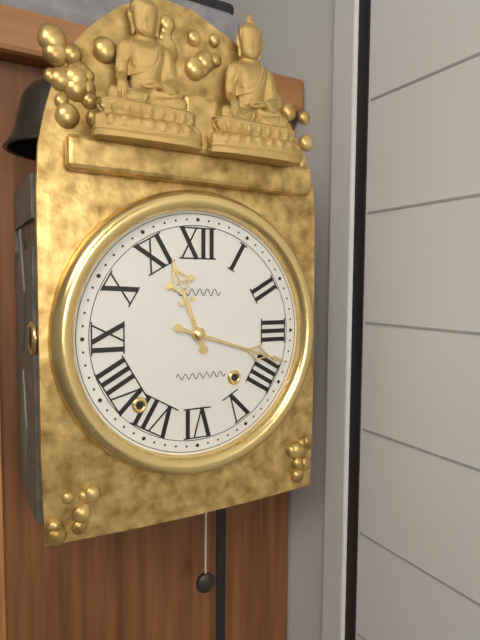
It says 11 h 18 min
